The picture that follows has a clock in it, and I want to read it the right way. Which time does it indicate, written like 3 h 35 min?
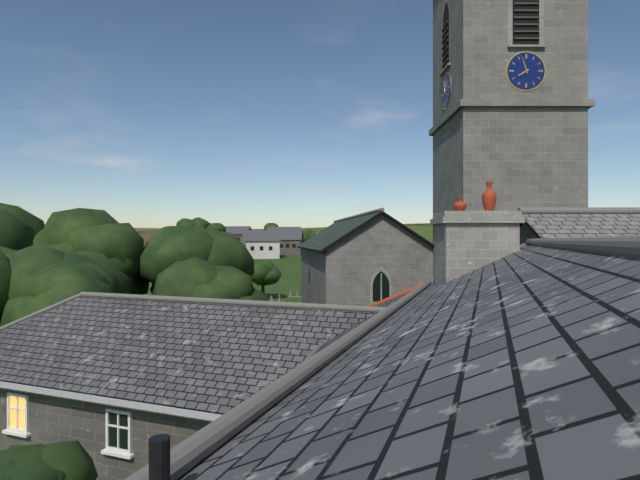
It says 7 h 57 min
